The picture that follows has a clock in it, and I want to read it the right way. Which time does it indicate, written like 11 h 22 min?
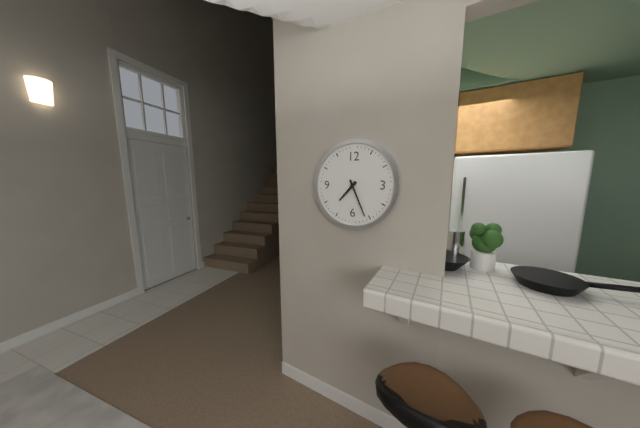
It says 7 h 26 min
